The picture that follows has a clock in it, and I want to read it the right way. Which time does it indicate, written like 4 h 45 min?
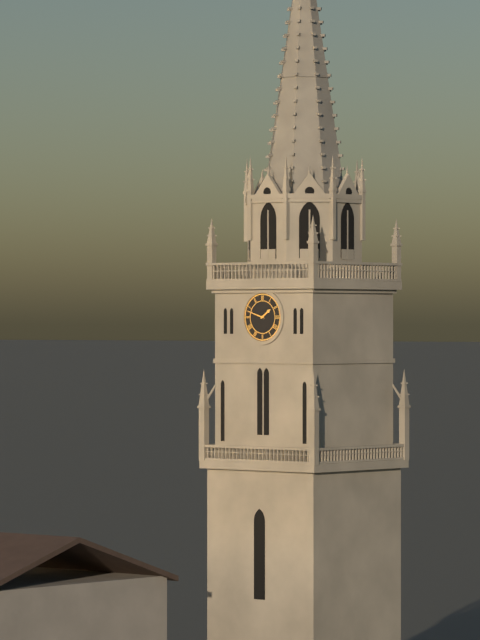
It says 1 h 48 min
